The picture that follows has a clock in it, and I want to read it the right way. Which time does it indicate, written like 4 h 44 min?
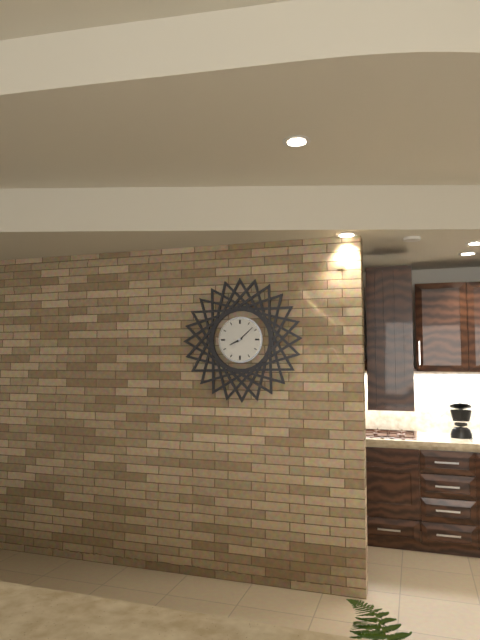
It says 8 h 08 min
